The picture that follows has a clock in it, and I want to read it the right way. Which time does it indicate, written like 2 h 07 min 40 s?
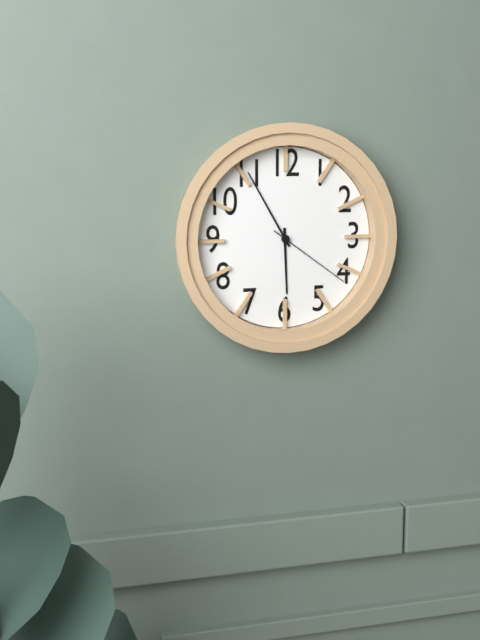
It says 5 h 55 min 21 s
